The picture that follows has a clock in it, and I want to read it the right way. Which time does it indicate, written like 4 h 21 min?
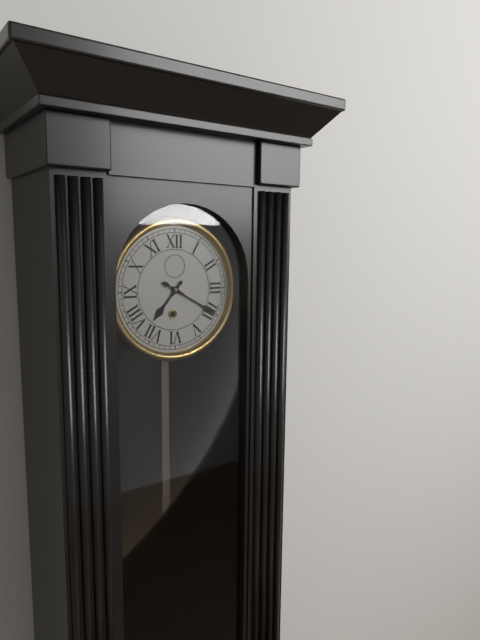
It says 7 h 20 min
